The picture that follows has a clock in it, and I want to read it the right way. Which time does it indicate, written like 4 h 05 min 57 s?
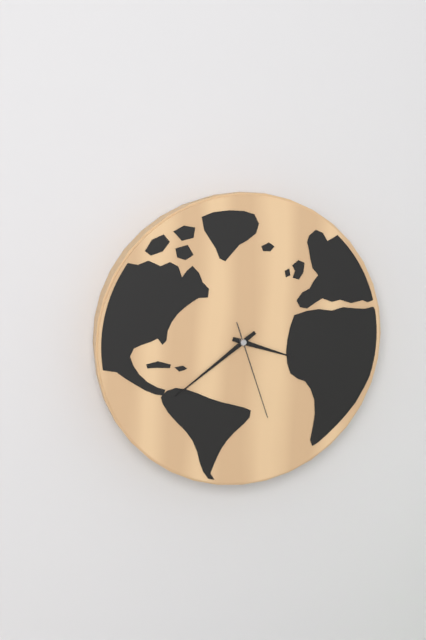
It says 3 h 39 min 27 s
